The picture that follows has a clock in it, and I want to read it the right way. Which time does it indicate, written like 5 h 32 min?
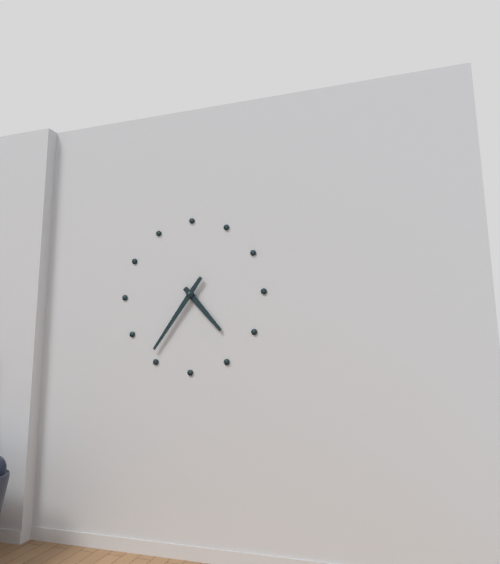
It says 4 h 36 min
